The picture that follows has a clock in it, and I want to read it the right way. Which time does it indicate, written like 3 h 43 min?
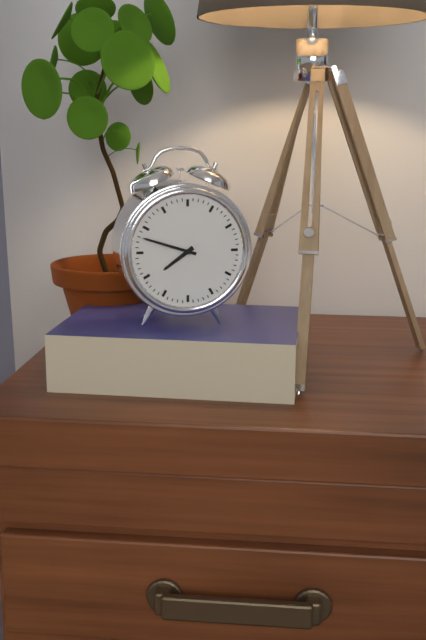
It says 7 h 48 min
